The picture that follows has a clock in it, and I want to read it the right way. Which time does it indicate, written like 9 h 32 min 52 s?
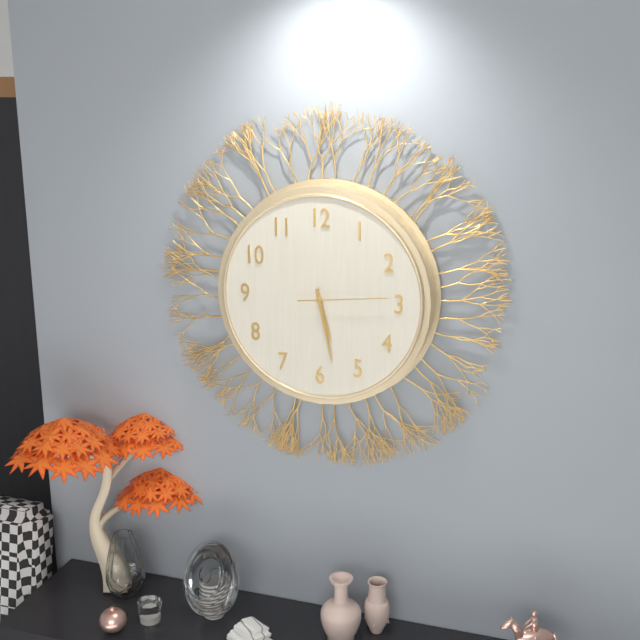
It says 5 h 28 min 14 s
